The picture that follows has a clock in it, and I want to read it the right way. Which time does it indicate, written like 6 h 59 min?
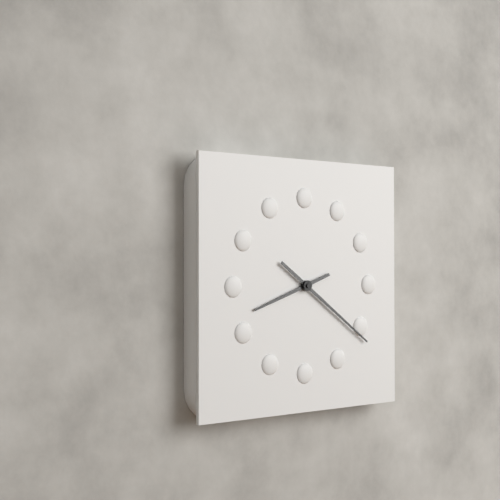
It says 8 h 21 min
